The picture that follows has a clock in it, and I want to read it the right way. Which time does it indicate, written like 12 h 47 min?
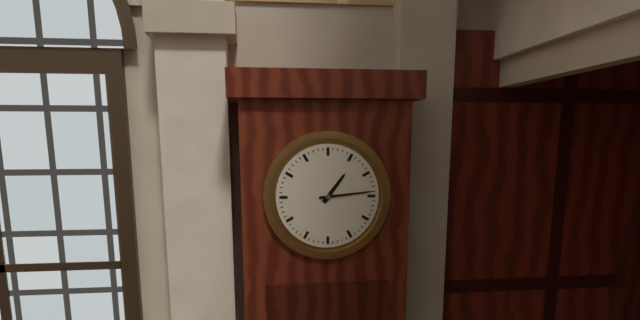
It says 1 h 14 min
